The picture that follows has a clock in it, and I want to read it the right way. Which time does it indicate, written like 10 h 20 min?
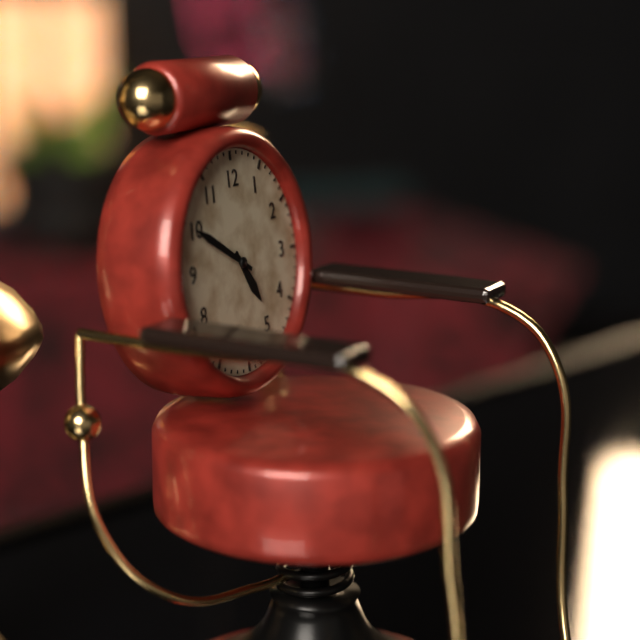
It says 4 h 50 min
